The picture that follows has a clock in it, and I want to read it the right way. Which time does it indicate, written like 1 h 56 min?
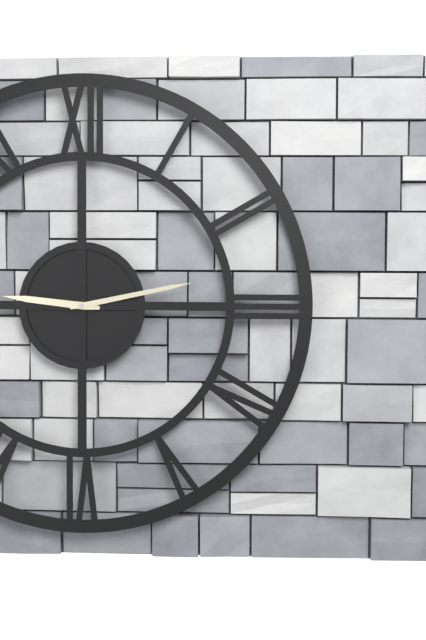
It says 9 h 13 min
